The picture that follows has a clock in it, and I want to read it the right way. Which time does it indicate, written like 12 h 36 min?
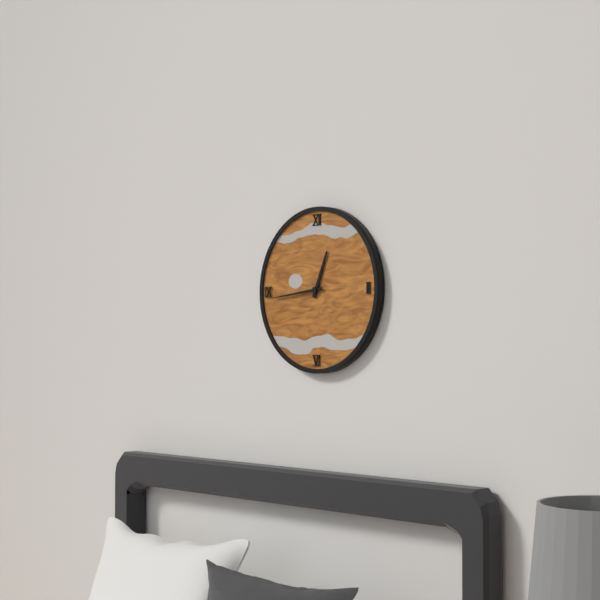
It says 12 h 44 min
